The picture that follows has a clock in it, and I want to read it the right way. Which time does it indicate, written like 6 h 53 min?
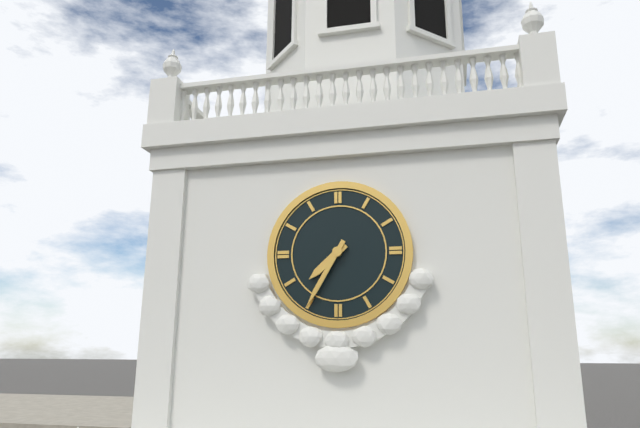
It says 7 h 35 min
